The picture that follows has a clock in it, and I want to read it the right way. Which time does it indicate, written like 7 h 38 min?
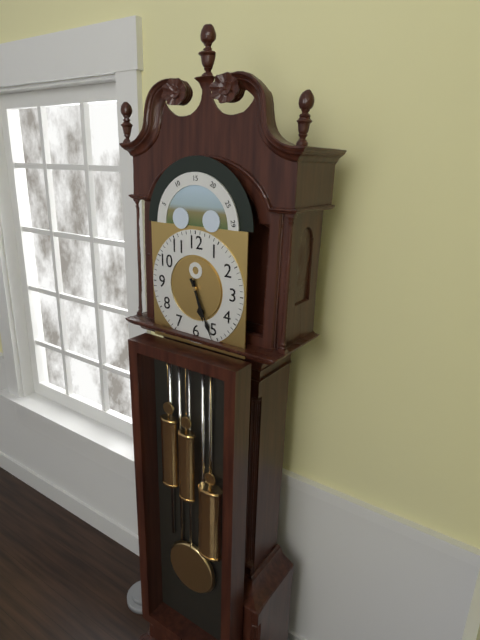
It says 5 h 26 min
